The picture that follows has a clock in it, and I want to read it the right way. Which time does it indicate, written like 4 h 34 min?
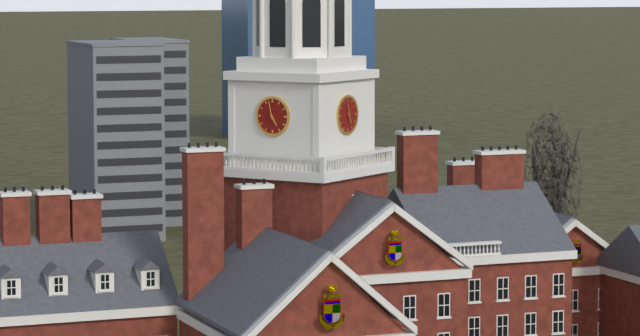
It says 4 h 58 min
